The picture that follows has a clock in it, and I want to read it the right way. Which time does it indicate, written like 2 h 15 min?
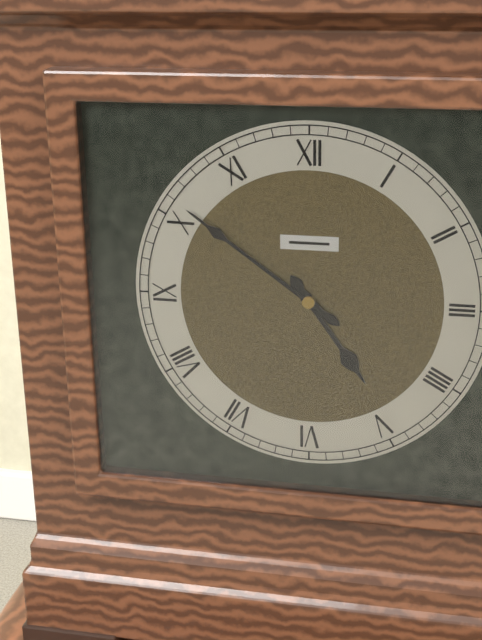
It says 4 h 51 min
